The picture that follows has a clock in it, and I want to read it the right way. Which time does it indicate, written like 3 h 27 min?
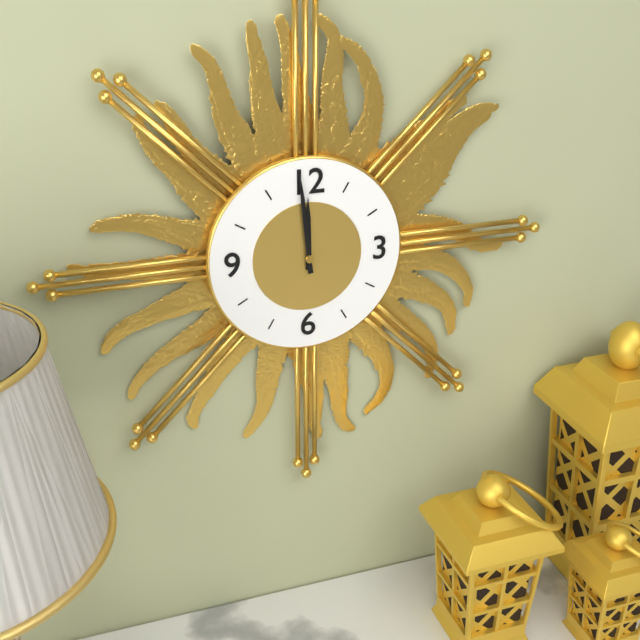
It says 11 h 59 min
